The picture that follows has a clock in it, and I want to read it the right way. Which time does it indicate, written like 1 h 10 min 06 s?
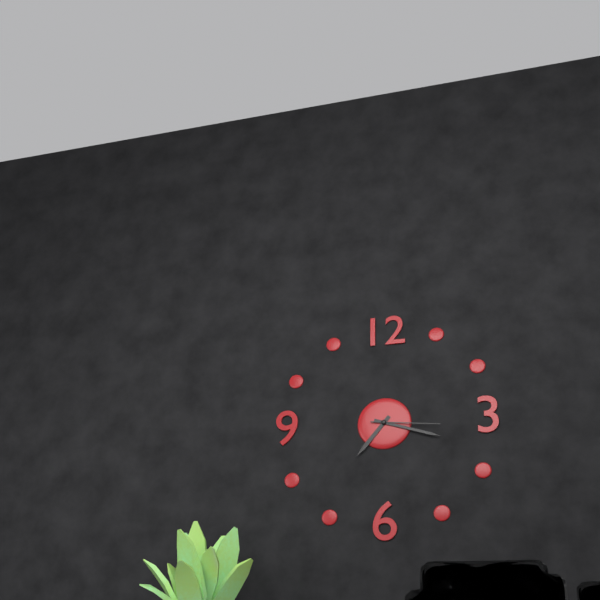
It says 7 h 18 min 16 s
